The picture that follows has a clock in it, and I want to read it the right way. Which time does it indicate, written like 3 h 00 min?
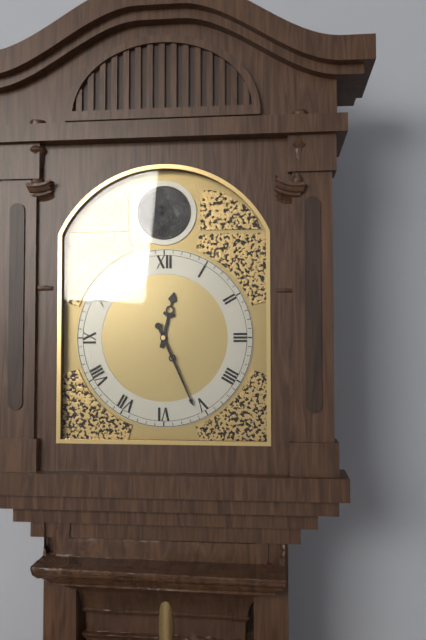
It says 12 h 26 min
